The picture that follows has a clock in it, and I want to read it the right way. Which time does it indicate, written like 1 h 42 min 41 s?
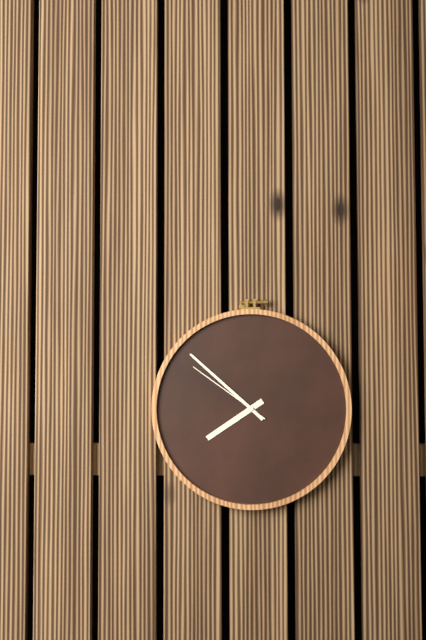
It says 7 h 52 min 51 s
